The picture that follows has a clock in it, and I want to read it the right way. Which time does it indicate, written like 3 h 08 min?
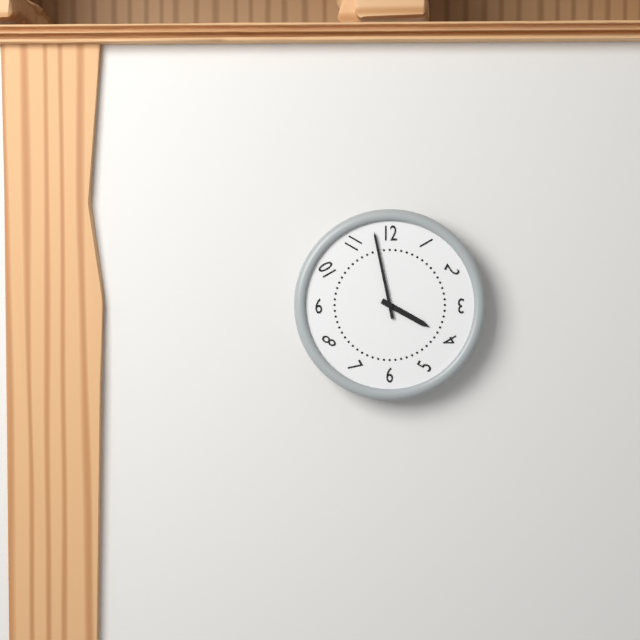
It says 3 h 58 min
